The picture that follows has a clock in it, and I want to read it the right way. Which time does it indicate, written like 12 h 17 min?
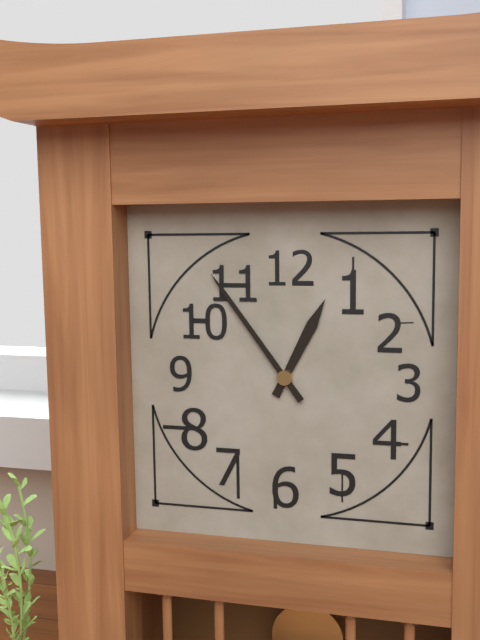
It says 12 h 54 min
